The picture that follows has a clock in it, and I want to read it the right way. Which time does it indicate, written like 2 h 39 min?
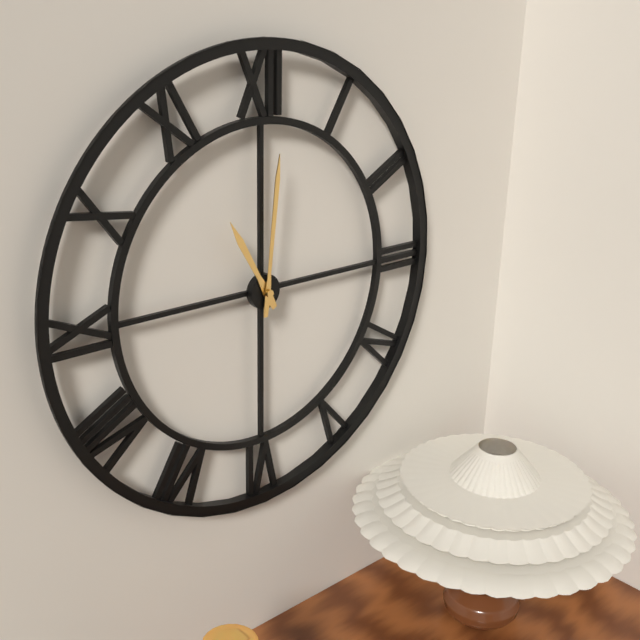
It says 11 h 01 min
